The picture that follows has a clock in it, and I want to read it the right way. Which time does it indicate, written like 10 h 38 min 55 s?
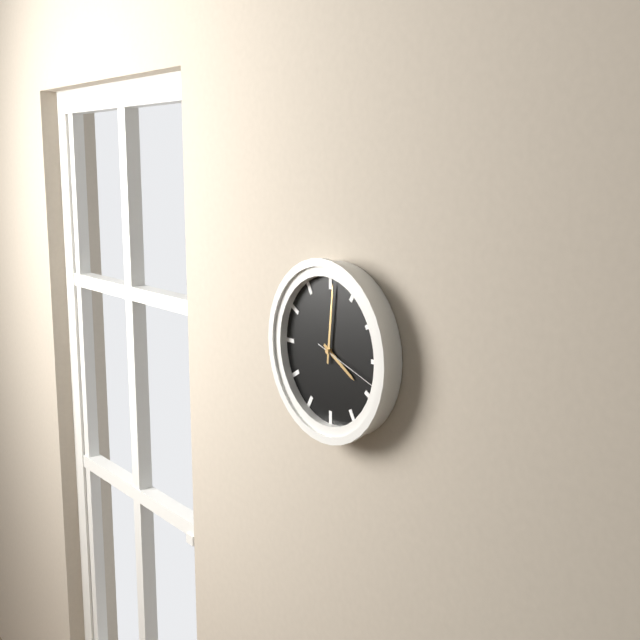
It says 4 h 01 min 18 s
